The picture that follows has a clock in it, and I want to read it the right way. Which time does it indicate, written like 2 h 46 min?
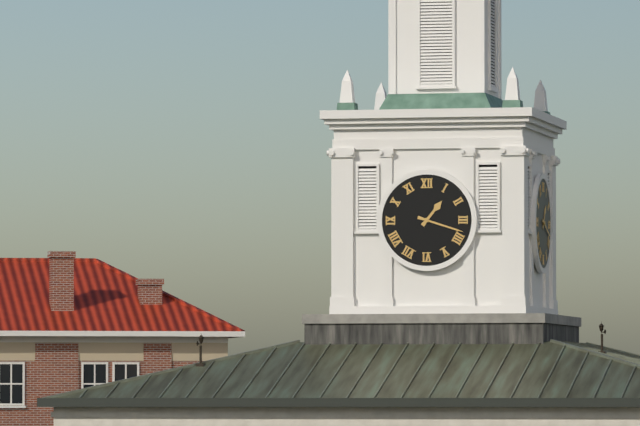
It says 1 h 18 min
